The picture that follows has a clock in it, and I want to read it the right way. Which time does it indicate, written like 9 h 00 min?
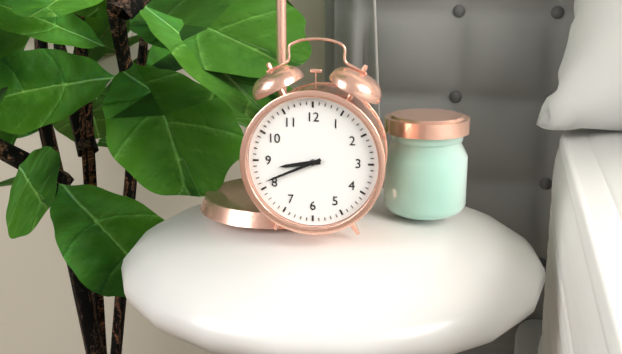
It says 8 h 41 min
